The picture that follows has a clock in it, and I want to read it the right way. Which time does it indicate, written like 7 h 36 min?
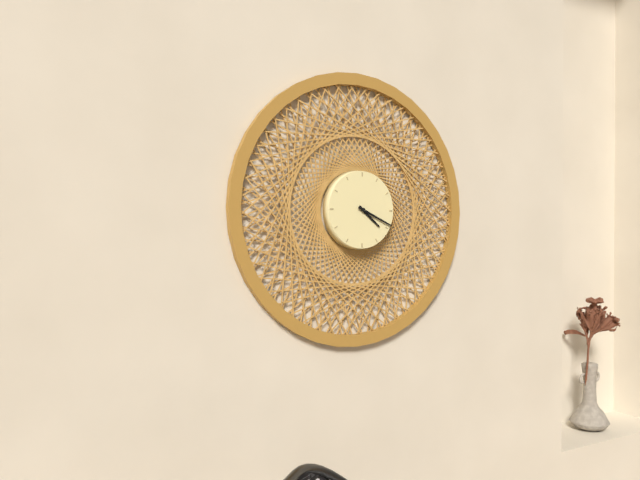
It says 4 h 19 min
